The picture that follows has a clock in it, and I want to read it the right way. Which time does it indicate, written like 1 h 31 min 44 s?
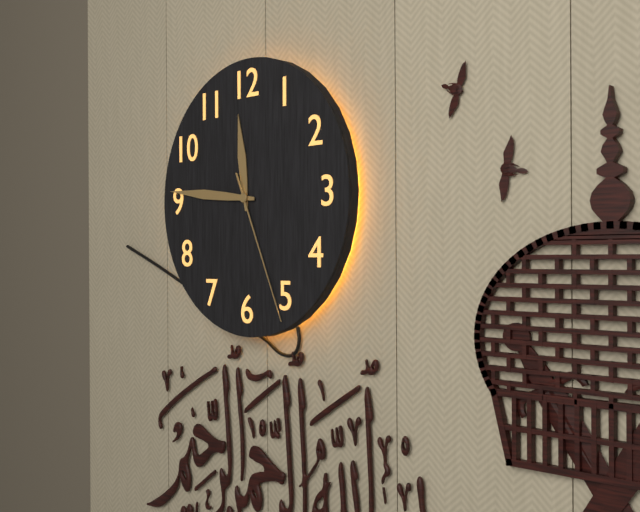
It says 11 h 46 min 26 s
